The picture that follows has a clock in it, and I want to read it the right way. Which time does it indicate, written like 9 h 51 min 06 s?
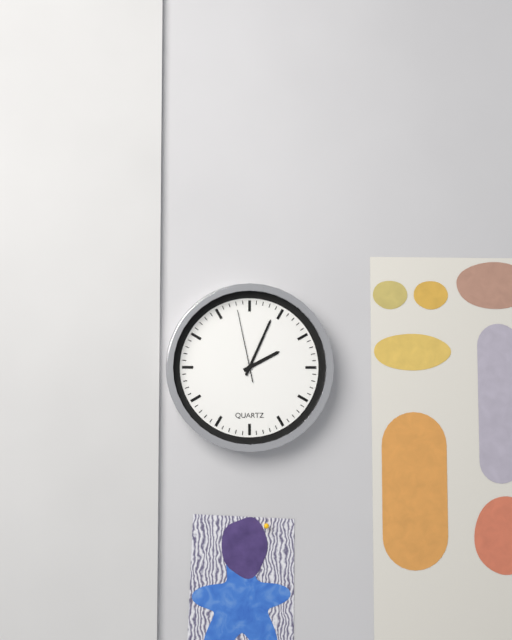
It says 2 h 04 min 58 s
